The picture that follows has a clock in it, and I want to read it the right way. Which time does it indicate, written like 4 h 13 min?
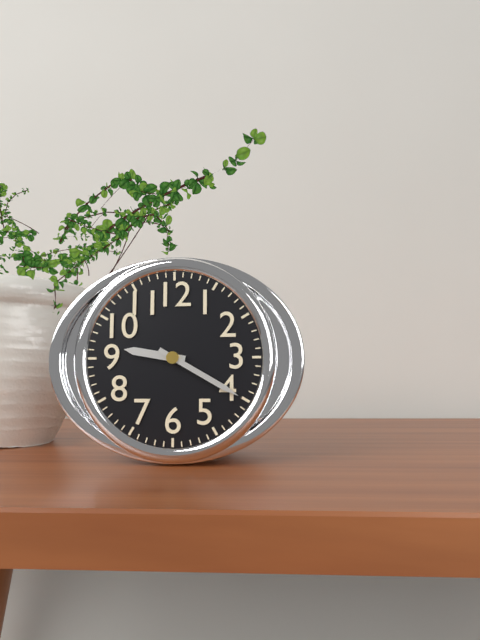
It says 9 h 20 min
